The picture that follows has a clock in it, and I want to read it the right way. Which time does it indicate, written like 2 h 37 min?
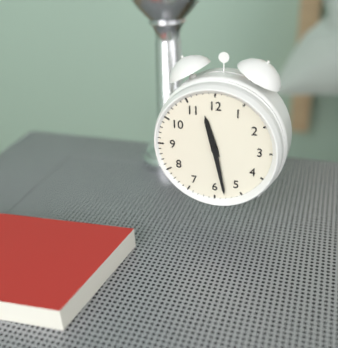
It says 11 h 28 min
